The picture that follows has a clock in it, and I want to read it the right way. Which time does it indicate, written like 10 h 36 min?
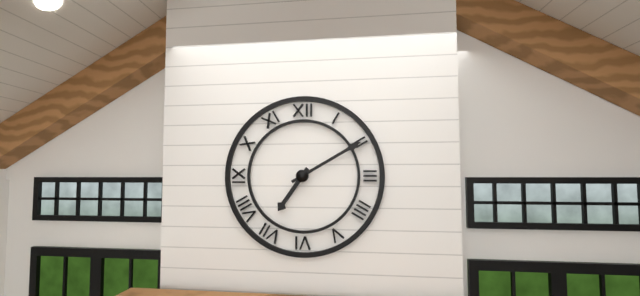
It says 7 h 10 min
